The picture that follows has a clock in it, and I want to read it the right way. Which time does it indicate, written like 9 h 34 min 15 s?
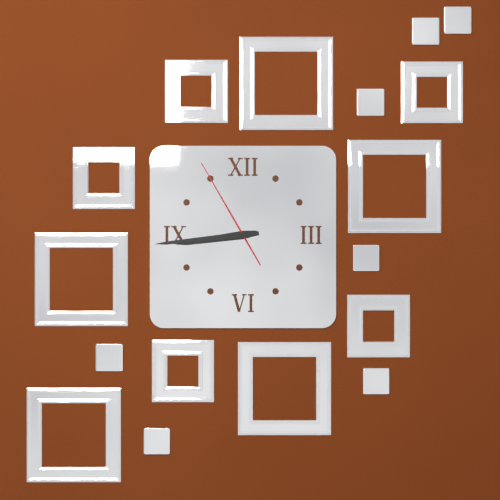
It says 8 h 44 min 55 s
